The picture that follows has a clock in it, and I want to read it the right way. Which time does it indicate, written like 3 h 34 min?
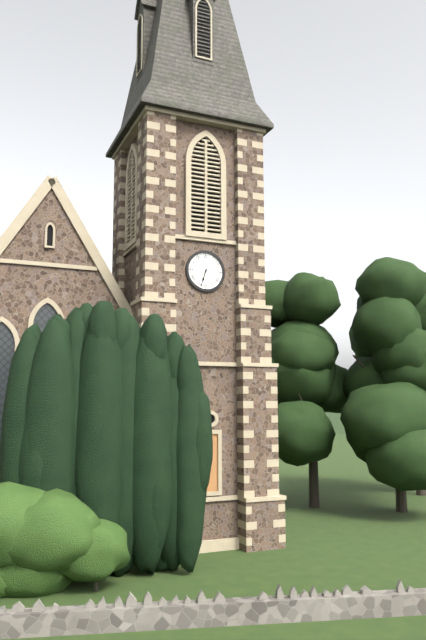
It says 6 h 33 min
